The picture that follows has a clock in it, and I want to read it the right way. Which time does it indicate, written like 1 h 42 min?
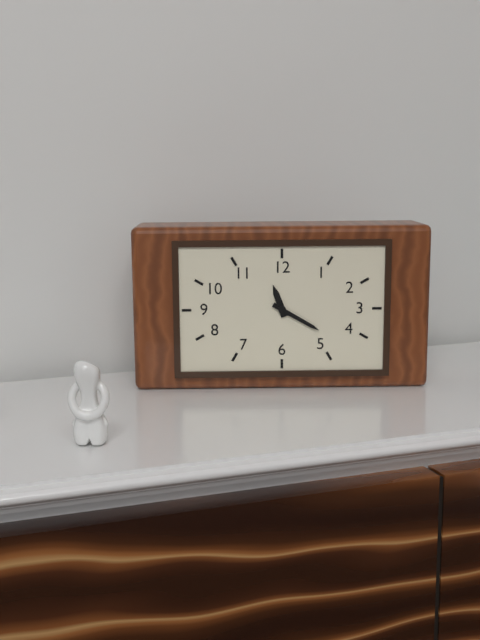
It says 11 h 20 min
